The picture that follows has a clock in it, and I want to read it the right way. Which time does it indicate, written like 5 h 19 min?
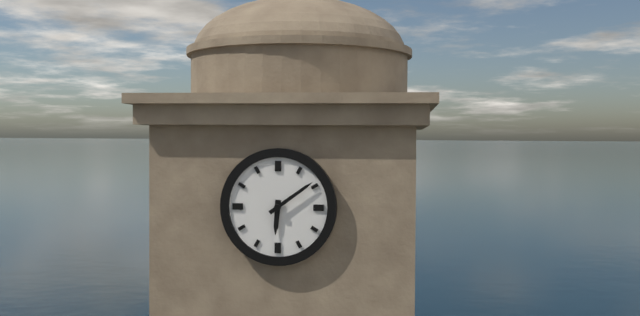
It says 6 h 09 min
